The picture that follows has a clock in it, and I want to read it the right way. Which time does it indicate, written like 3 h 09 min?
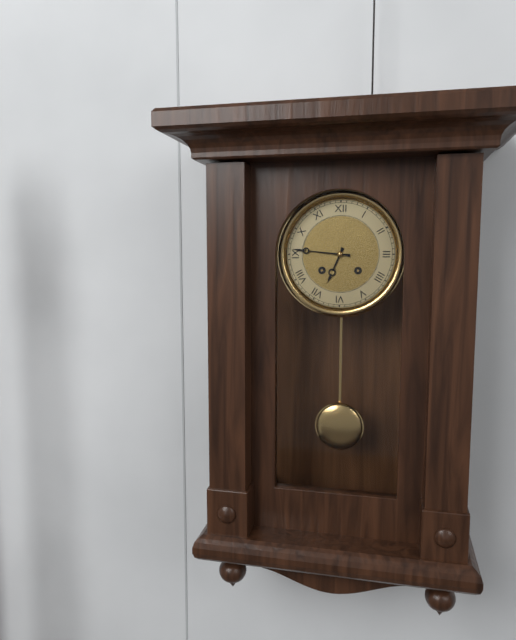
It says 6 h 46 min
